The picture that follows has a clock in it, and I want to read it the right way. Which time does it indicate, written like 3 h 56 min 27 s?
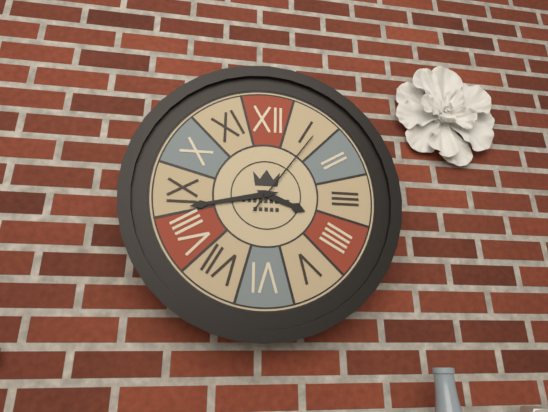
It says 3 h 43 min 06 s
